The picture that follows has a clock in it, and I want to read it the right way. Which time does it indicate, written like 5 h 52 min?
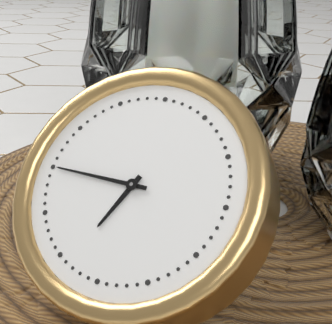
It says 6 h 45 min
